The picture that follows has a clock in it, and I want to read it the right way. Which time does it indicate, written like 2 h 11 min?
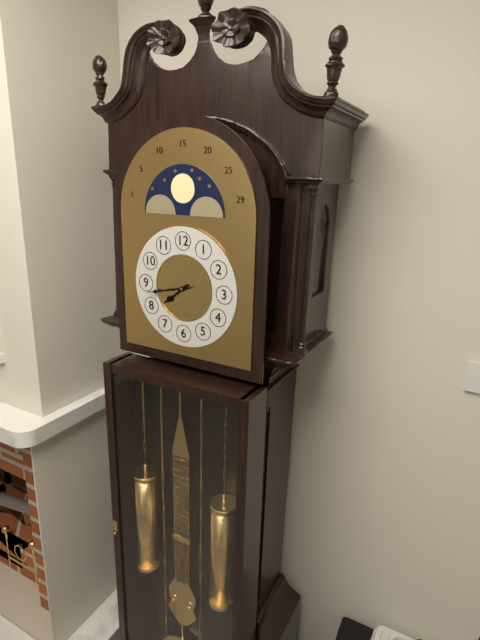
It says 7 h 43 min
